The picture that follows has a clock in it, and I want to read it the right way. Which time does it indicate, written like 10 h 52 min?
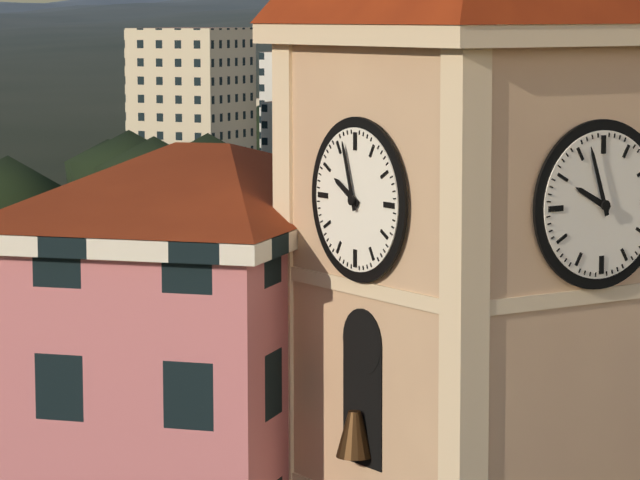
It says 9 h 57 min
